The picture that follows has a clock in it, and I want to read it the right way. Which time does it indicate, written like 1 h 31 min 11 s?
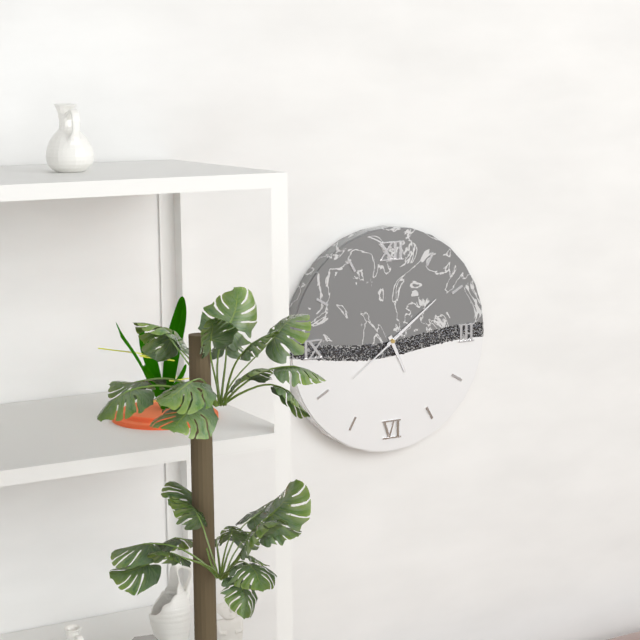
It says 5 h 09 min 39 s
